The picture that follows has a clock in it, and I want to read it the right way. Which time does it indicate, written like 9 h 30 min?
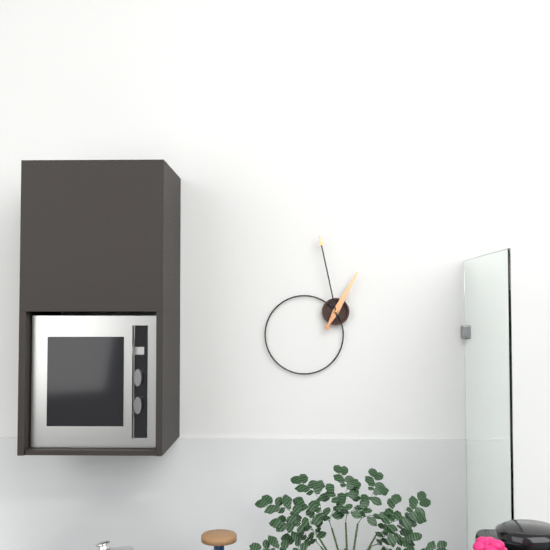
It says 12 h 58 min
